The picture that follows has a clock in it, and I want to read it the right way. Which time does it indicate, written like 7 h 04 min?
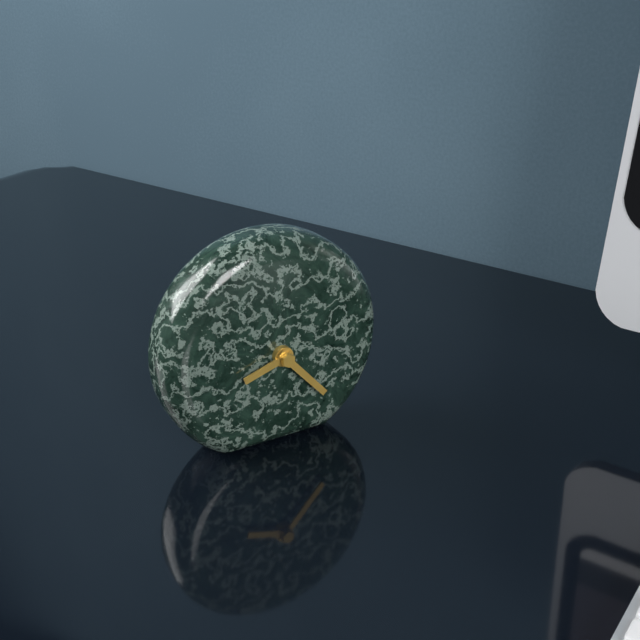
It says 8 h 23 min
